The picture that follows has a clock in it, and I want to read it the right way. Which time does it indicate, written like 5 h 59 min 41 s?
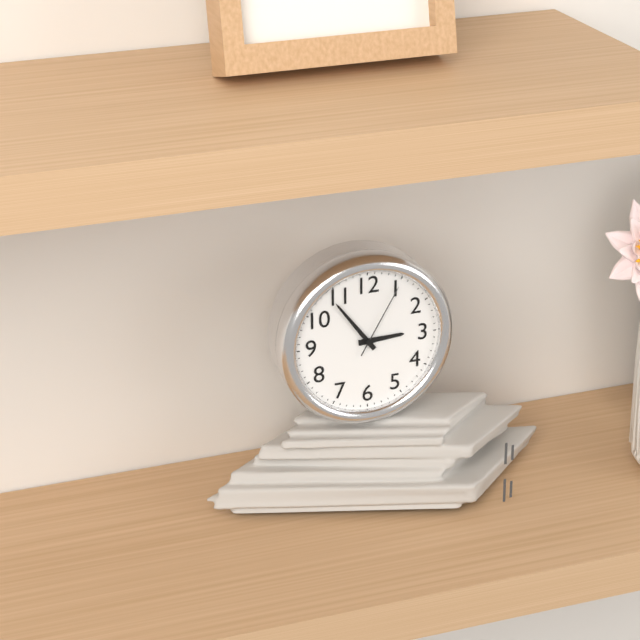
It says 2 h 54 min 05 s
